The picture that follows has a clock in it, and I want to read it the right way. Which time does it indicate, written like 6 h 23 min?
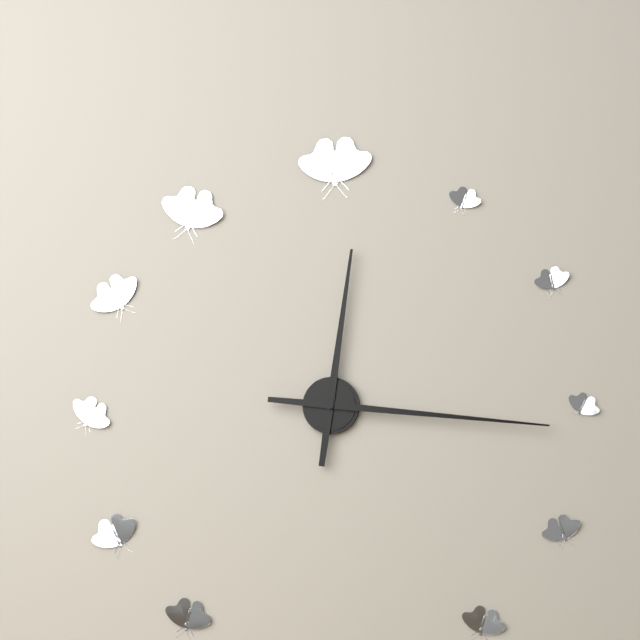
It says 12 h 16 min
